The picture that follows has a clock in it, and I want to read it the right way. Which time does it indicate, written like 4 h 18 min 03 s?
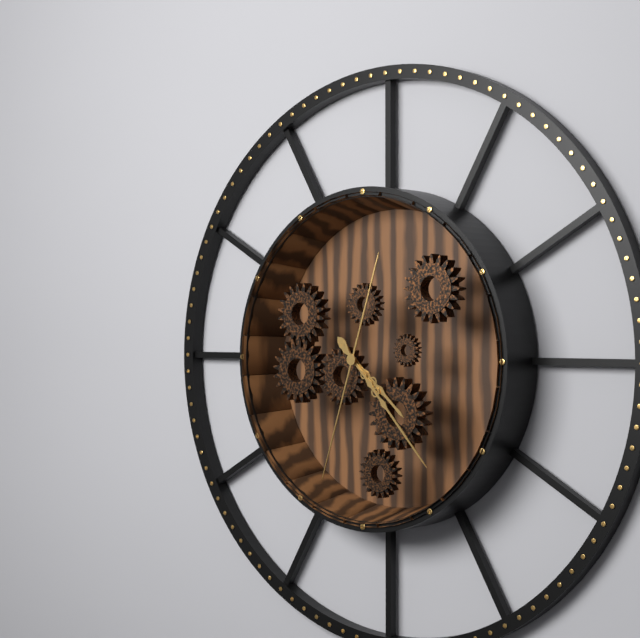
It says 4 h 23 min 33 s
